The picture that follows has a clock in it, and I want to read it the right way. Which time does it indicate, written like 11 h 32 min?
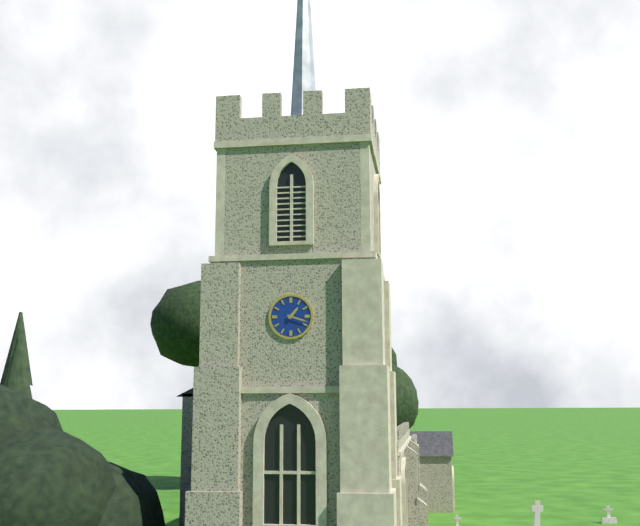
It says 1 h 18 min
